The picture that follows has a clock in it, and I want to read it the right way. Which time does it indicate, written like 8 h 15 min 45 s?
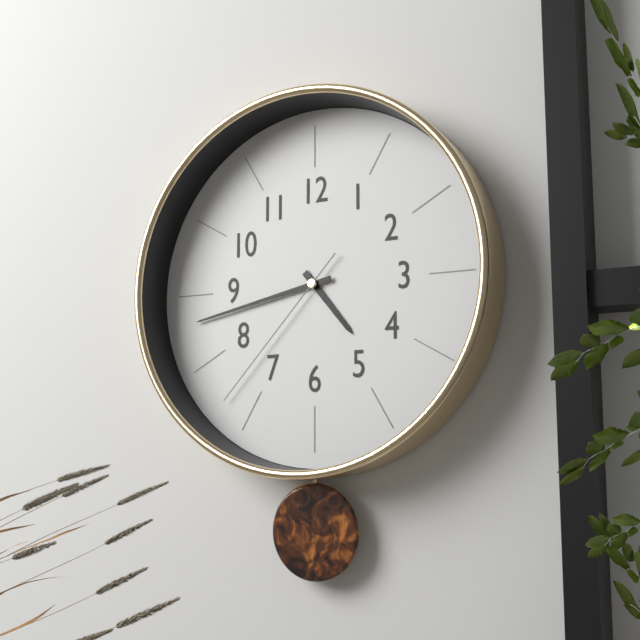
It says 4 h 43 min 37 s
